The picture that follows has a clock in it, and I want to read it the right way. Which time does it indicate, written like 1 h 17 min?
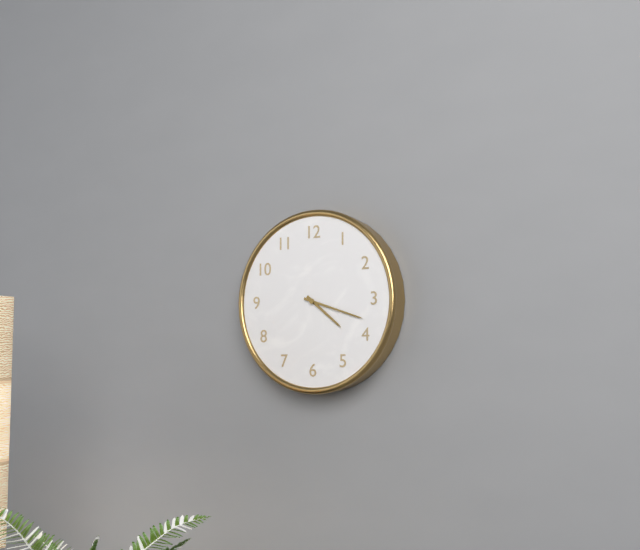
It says 4 h 18 min
